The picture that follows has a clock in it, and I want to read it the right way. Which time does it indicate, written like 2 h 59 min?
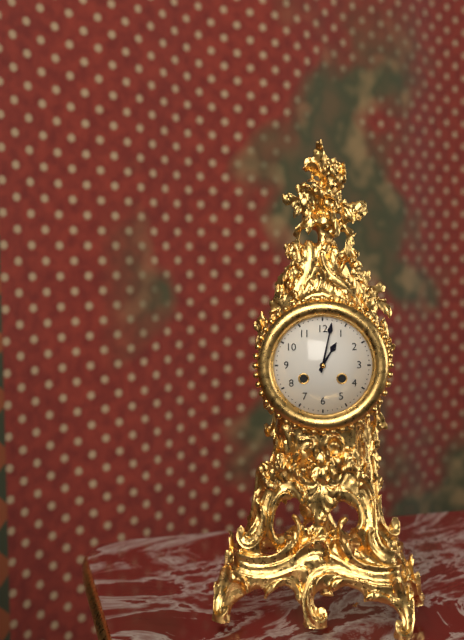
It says 1 h 02 min
